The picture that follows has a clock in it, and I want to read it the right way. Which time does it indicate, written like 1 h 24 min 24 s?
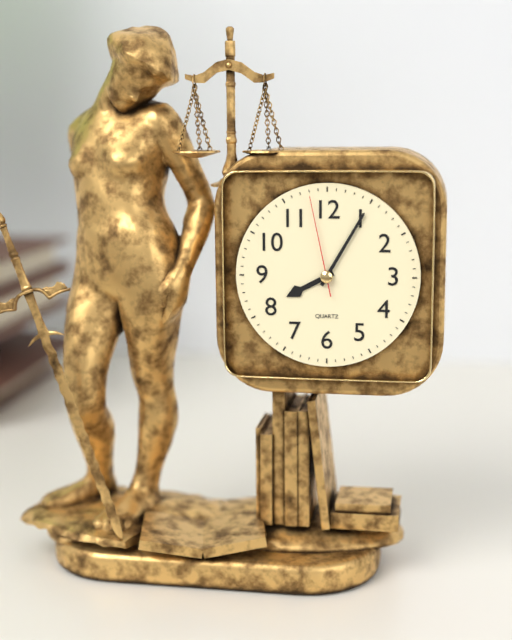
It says 8 h 05 min 58 s
